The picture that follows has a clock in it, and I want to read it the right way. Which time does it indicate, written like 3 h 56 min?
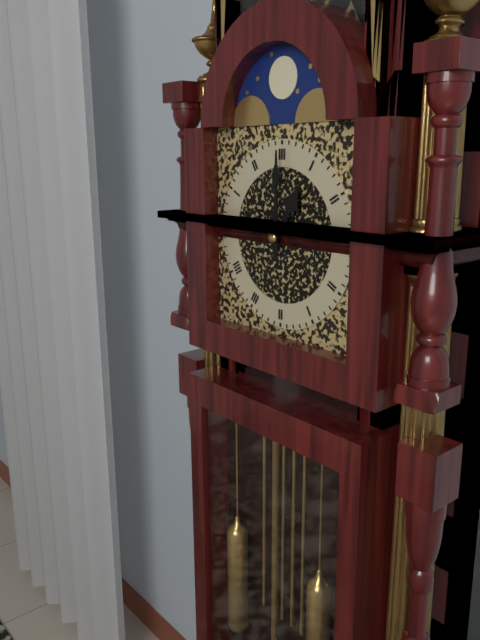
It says 1 h 00 min
